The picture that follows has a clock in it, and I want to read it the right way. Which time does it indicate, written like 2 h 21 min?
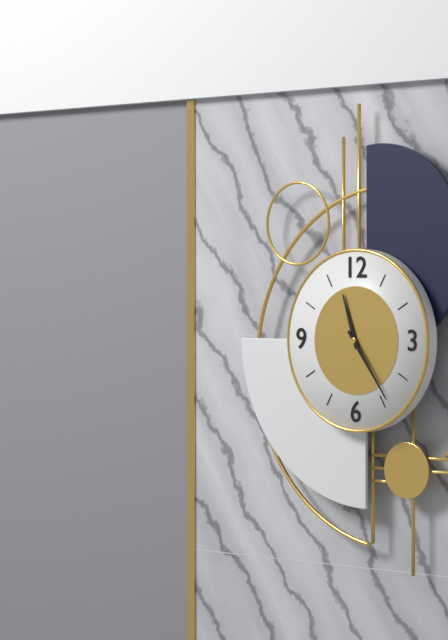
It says 11 h 24 min
